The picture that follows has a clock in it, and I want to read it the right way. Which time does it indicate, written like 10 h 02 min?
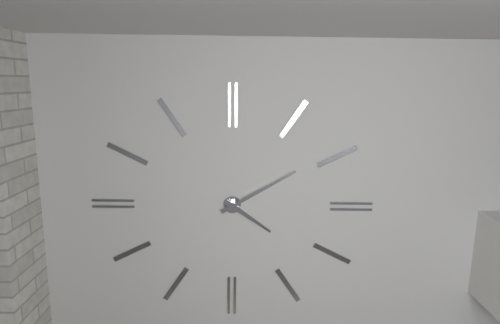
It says 4 h 10 min
